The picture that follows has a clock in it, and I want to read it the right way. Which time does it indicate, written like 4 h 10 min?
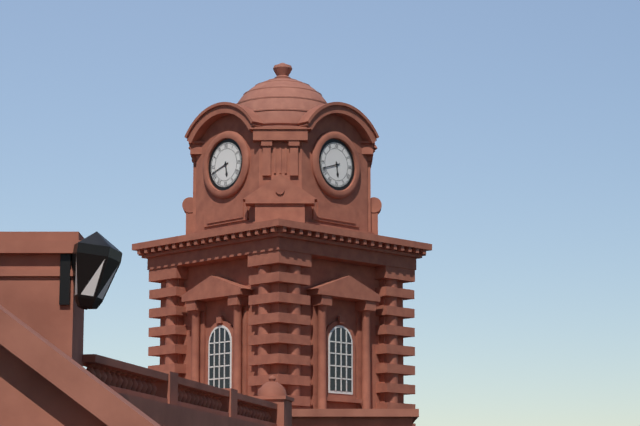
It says 5 h 42 min
